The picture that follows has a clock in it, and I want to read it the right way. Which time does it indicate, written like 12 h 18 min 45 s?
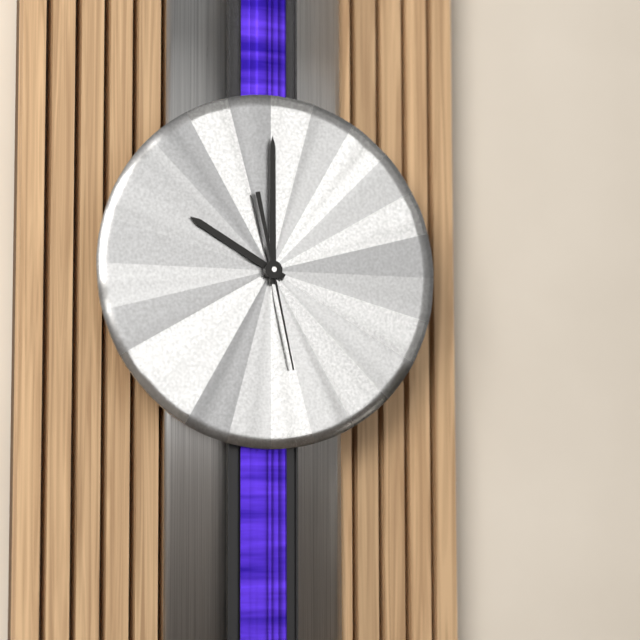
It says 10 h 00 min 28 s
